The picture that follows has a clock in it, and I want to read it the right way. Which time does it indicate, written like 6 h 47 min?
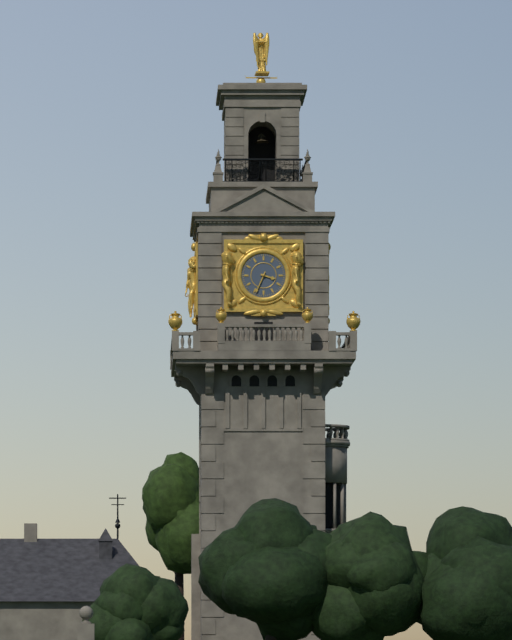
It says 3 h 34 min
